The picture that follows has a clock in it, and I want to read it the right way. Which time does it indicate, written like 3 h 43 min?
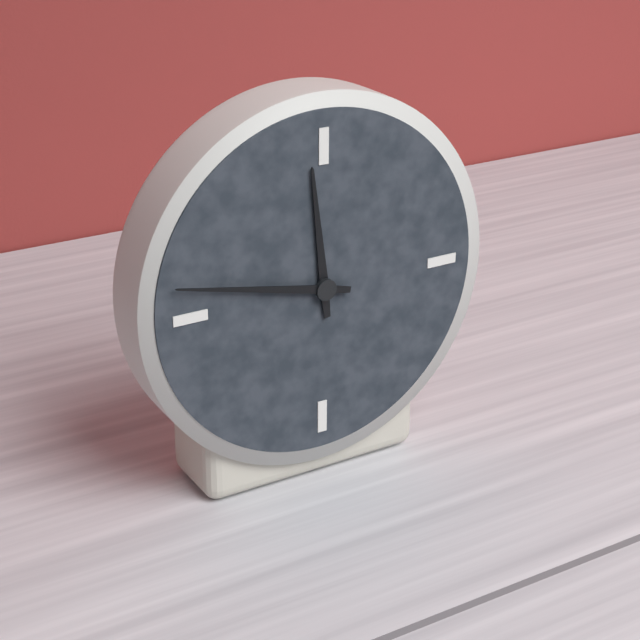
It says 11 h 47 min
